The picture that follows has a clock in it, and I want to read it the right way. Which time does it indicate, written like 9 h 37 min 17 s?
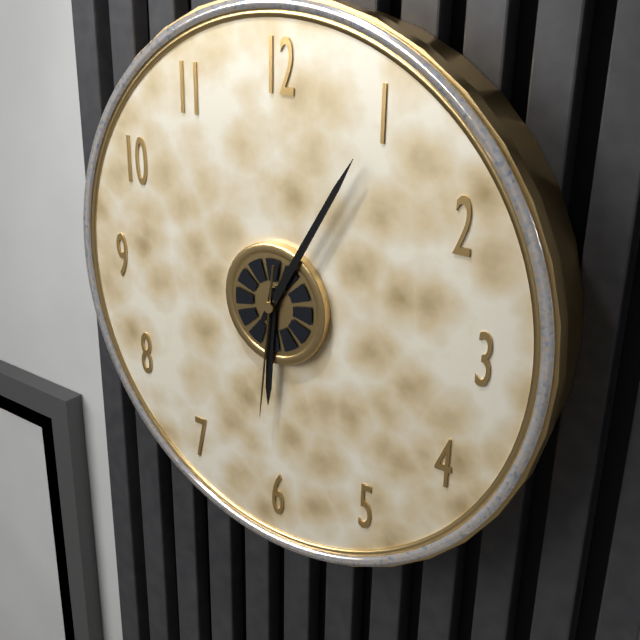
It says 6 h 05 min 31 s
